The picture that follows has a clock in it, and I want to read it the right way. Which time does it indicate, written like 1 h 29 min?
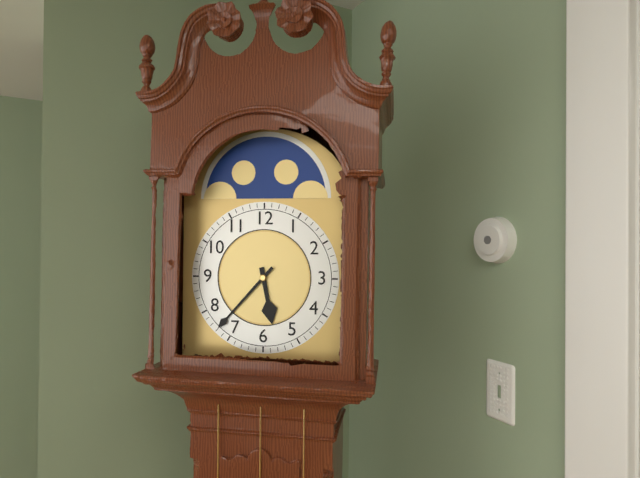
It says 5 h 37 min
